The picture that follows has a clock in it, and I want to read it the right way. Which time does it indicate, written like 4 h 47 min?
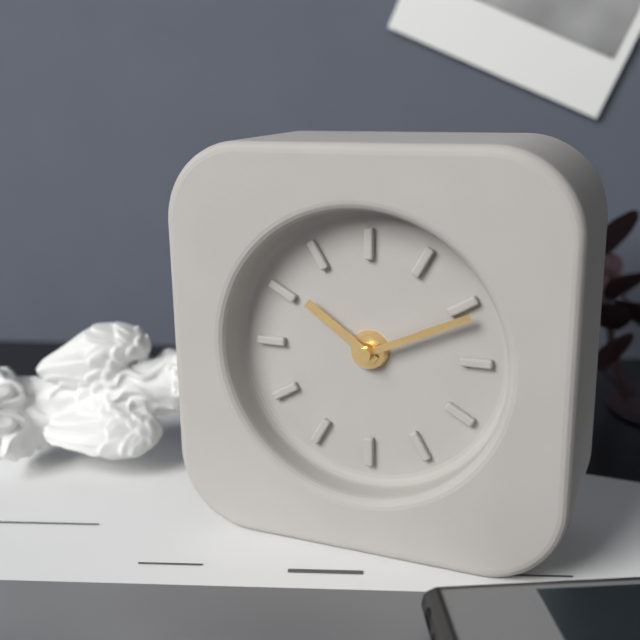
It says 10 h 11 min
